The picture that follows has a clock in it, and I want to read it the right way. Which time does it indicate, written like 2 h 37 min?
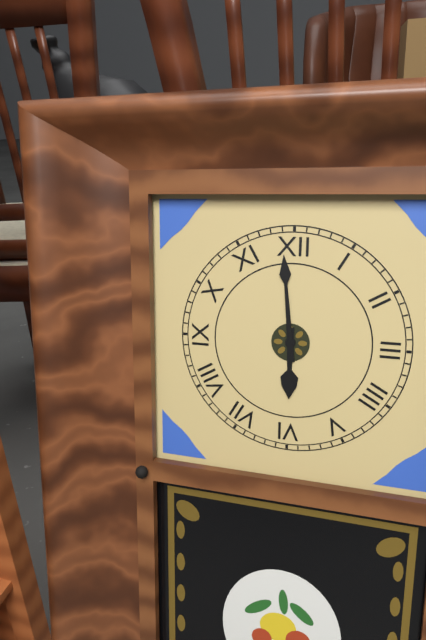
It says 5 h 59 min
